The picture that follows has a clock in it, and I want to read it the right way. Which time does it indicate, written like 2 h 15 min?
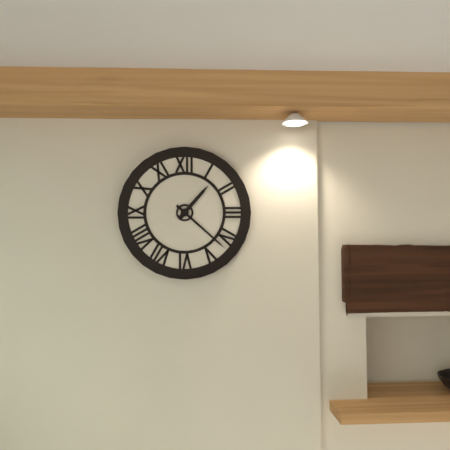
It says 1 h 22 min
